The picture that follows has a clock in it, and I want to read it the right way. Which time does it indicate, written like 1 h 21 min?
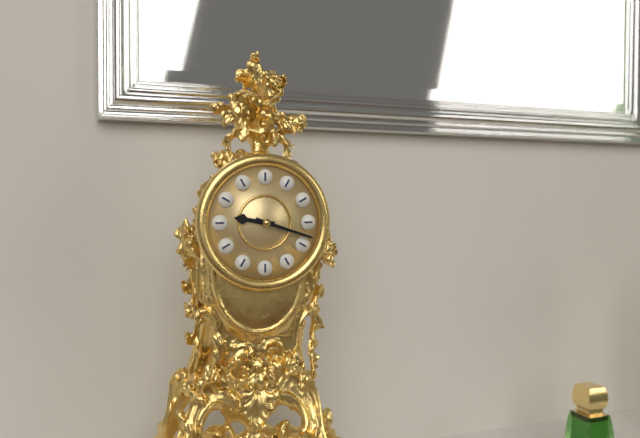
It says 9 h 18 min
